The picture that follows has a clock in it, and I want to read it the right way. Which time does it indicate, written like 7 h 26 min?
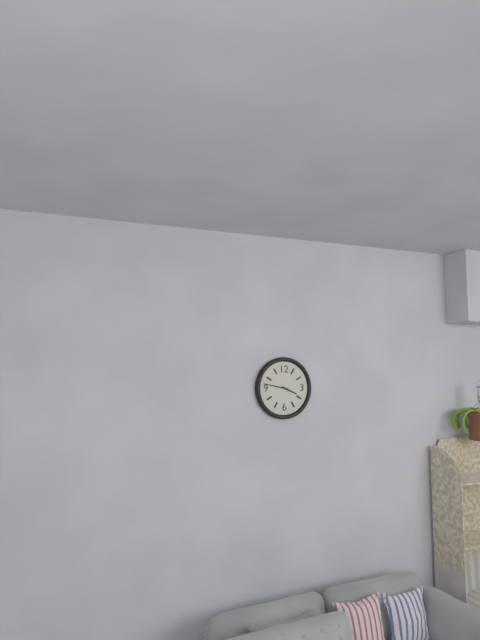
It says 3 h 47 min
